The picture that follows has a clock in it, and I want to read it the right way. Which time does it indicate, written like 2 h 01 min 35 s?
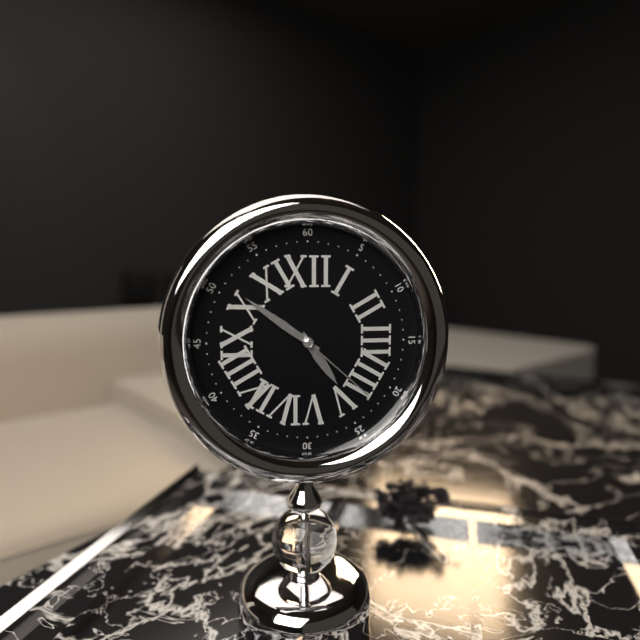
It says 4 h 51 min 22 s
